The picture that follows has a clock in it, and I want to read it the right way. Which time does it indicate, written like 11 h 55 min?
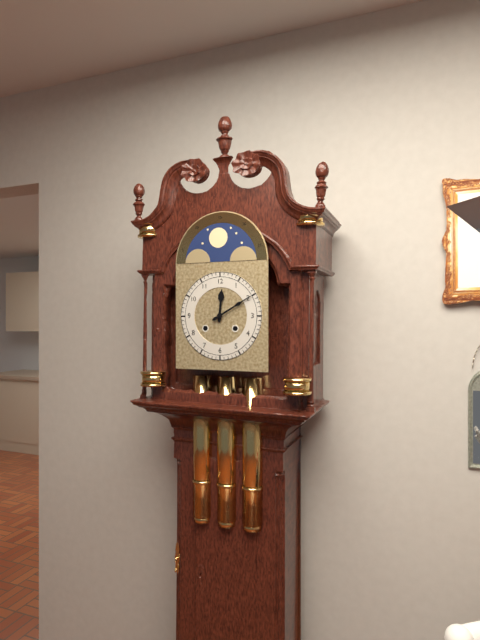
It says 12 h 10 min
